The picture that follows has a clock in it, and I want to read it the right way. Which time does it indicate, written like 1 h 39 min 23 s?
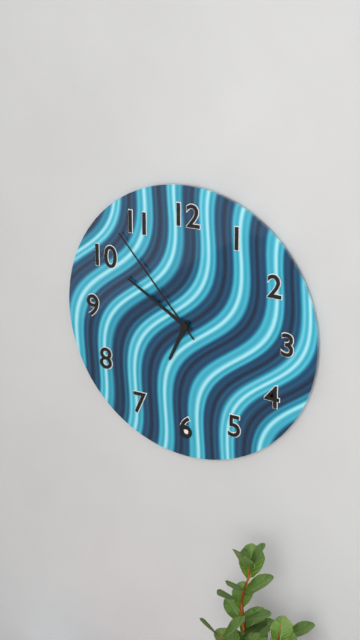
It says 6 h 50 min 53 s
